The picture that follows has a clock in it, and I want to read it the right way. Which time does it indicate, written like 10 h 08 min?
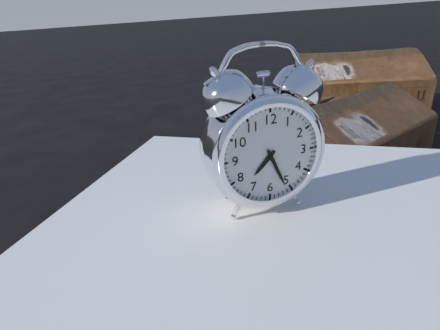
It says 7 h 26 min
